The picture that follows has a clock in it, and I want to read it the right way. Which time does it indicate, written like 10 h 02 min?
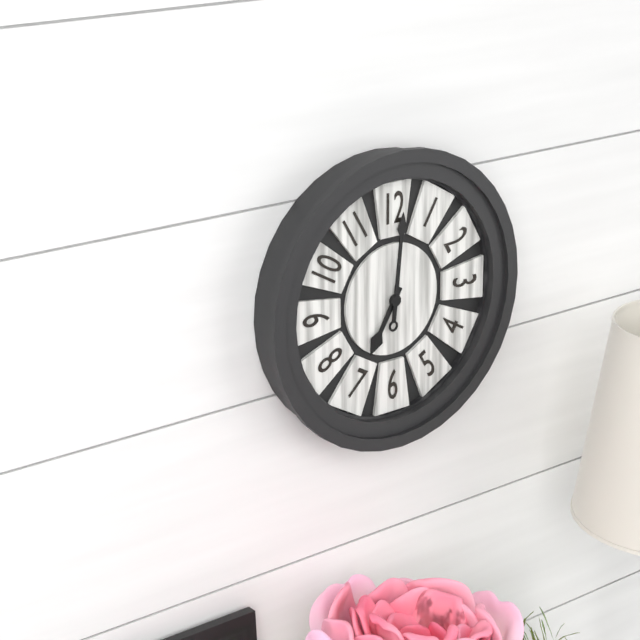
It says 7 h 01 min
